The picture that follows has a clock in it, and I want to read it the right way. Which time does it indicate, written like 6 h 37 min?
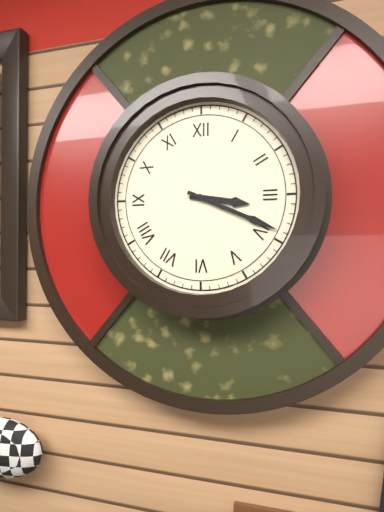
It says 3 h 19 min
